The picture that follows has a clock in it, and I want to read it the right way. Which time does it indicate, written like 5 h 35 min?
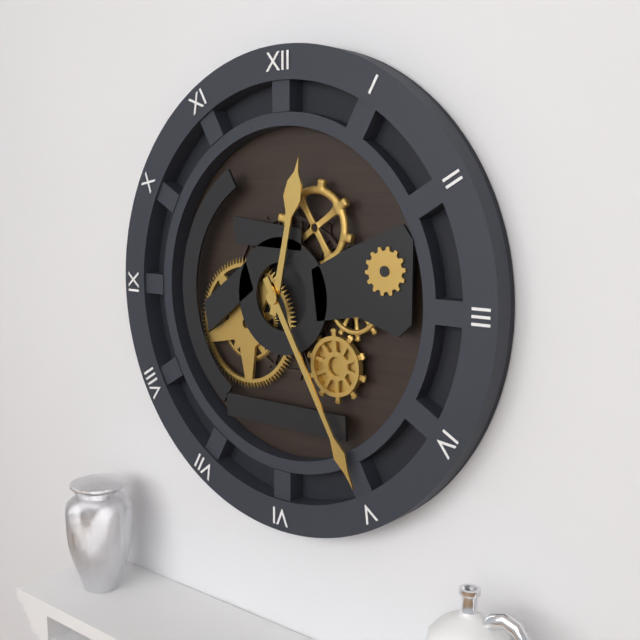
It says 12 h 25 min
